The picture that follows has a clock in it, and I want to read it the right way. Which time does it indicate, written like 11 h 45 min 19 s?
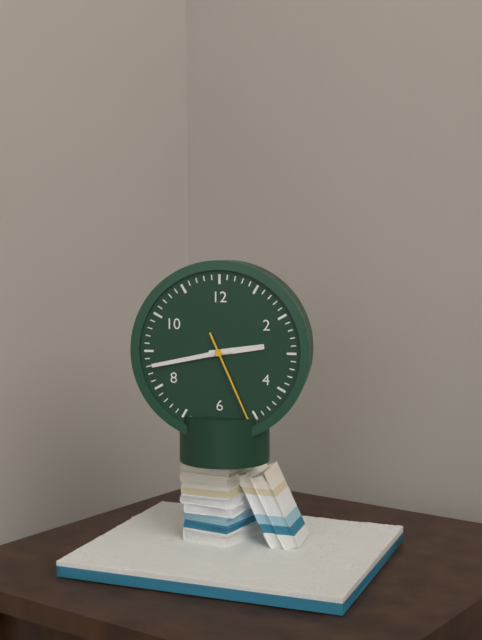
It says 2 h 43 min 26 s
